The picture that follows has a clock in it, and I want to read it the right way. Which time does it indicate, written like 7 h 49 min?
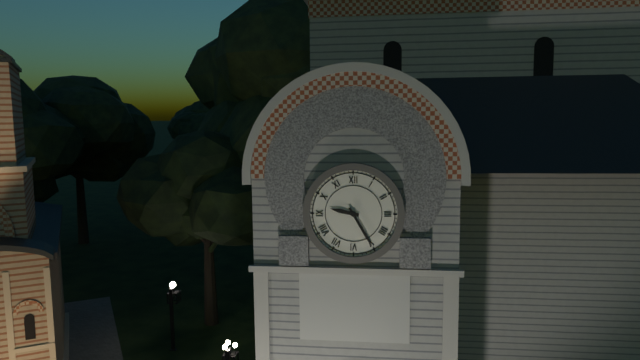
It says 9 h 25 min
